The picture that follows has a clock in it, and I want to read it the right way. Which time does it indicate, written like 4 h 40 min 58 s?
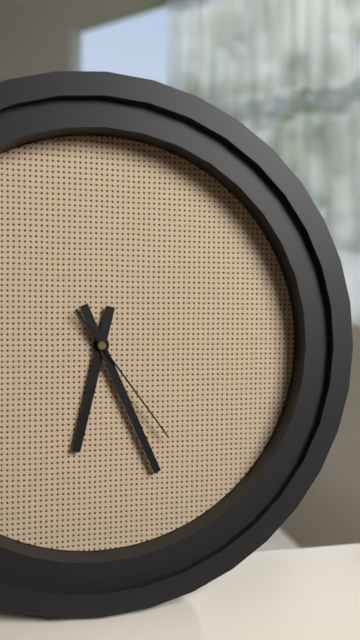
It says 6 h 26 min 24 s
